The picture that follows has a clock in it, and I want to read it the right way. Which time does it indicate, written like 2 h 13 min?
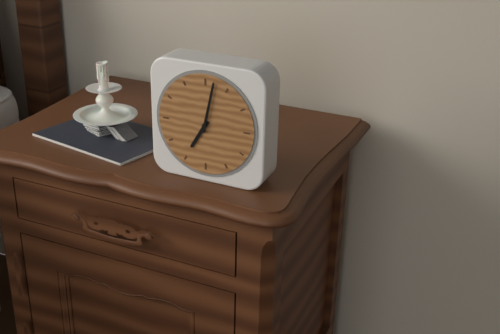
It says 7 h 02 min
